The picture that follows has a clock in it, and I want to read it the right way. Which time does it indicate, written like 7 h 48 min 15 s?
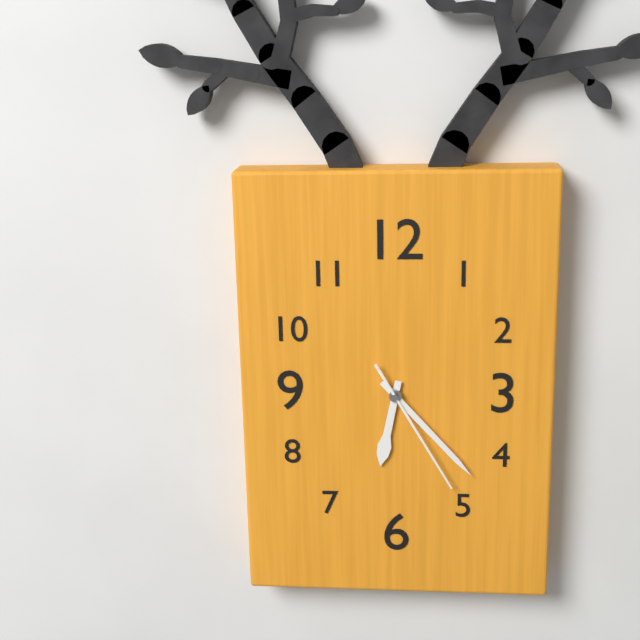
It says 6 h 23 min 25 s
